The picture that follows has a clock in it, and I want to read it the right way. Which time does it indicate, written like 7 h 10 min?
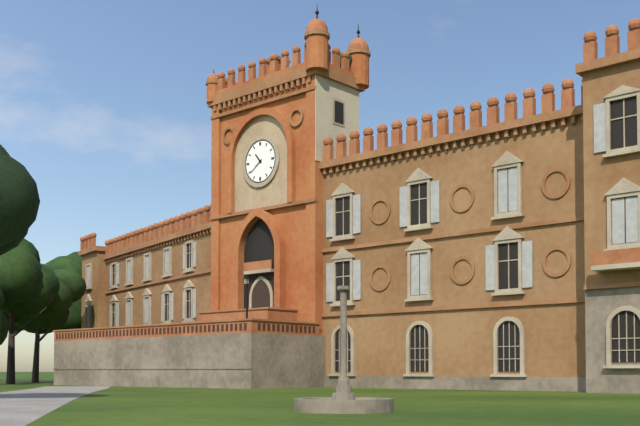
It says 10 h 39 min
